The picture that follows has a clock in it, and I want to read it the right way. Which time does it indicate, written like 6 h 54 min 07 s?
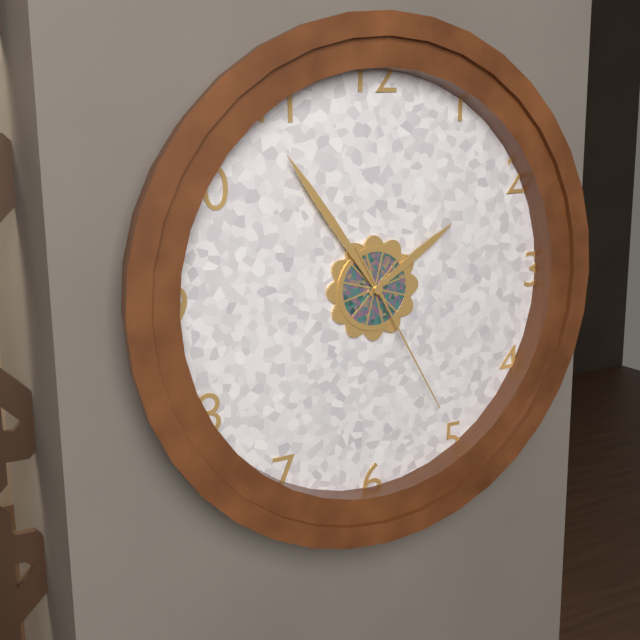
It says 1 h 54 min 25 s
